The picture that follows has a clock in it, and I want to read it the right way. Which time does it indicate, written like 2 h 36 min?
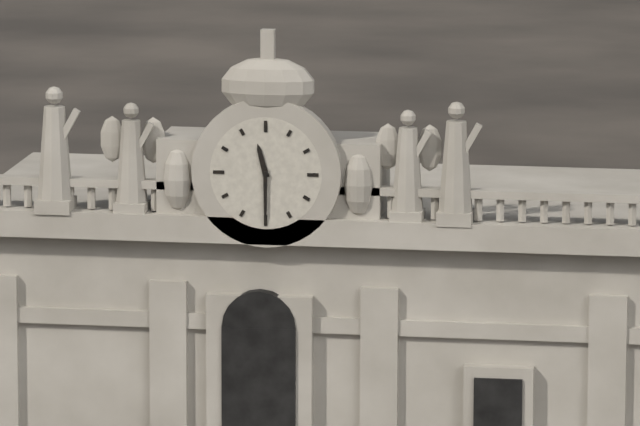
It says 11 h 30 min
